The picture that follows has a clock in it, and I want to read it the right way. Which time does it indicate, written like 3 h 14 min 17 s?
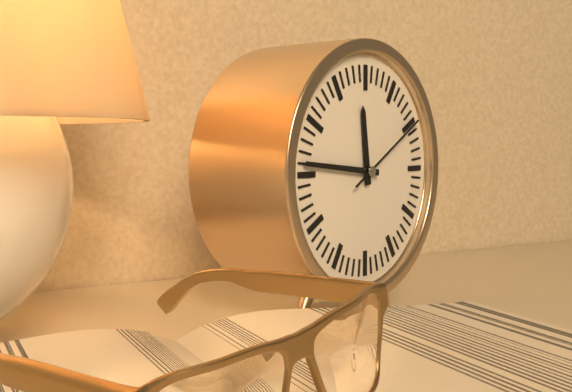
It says 11 h 46 min 10 s
